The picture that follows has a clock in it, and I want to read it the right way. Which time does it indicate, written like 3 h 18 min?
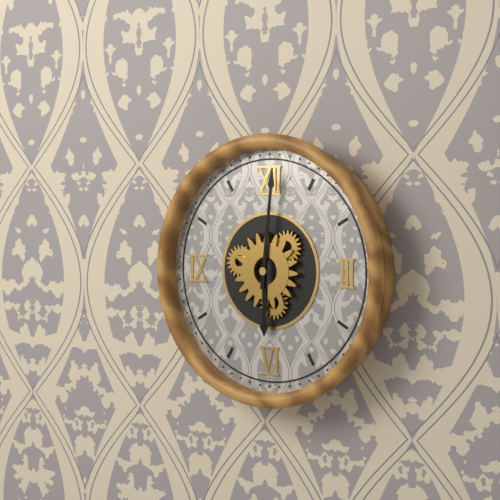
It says 6 h 01 min
